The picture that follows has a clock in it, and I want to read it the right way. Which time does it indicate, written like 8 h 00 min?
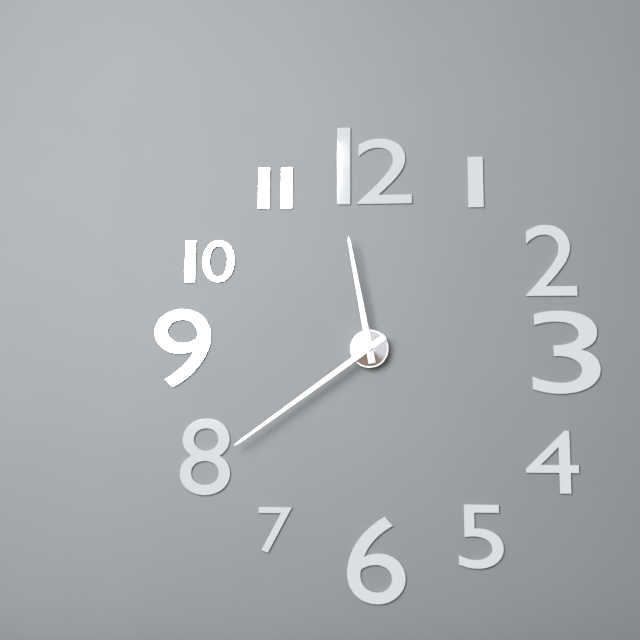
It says 11 h 39 min
